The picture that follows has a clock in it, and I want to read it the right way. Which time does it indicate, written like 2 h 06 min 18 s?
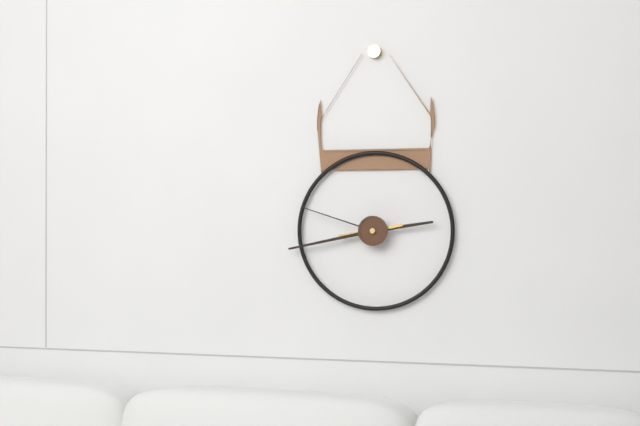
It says 2 h 43 min 48 s
